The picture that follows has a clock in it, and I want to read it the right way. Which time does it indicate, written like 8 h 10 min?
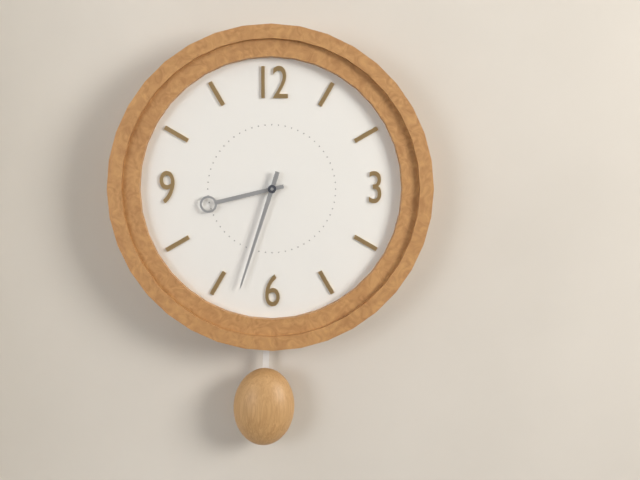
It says 8 h 33 min
